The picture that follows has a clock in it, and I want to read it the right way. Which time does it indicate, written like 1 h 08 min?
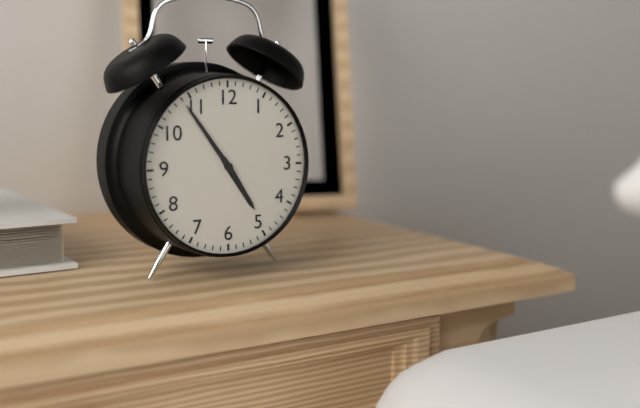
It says 4 h 54 min
